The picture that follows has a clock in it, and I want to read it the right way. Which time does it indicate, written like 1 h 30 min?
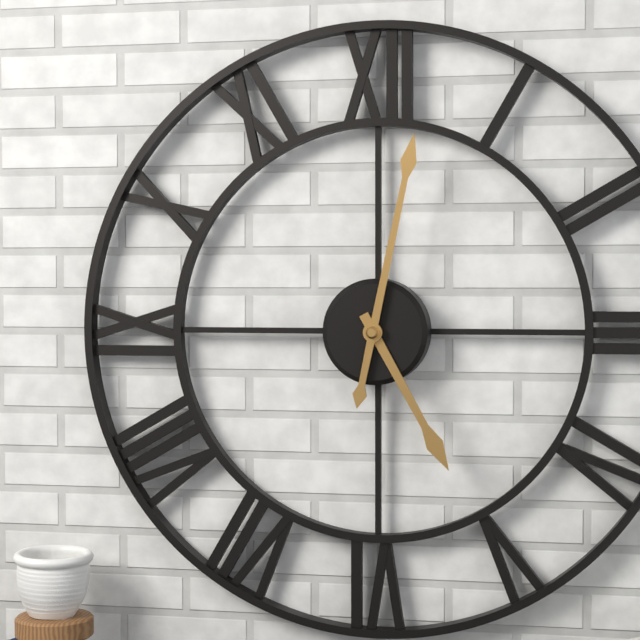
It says 5 h 02 min
